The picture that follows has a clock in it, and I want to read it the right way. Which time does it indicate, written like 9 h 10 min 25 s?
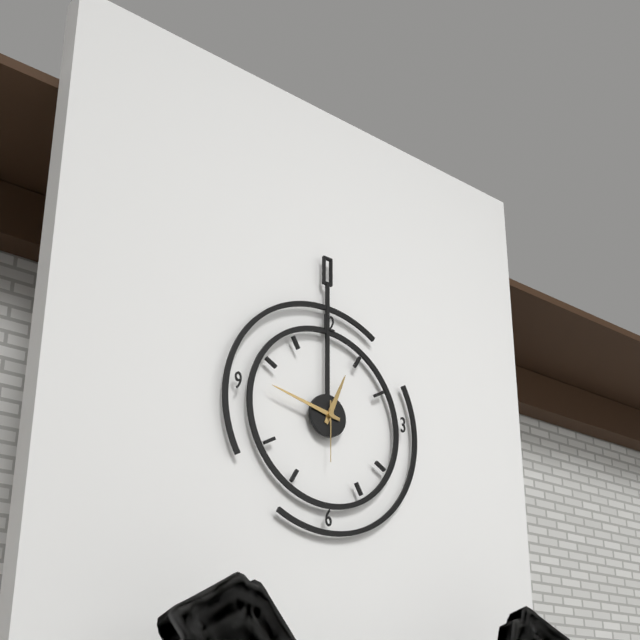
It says 12 h 47 min 30 s
